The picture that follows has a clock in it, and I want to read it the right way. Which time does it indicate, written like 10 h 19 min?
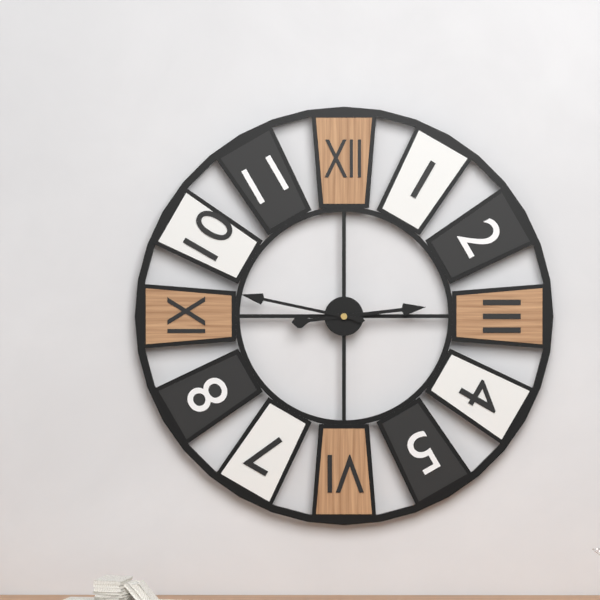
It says 2 h 47 min
